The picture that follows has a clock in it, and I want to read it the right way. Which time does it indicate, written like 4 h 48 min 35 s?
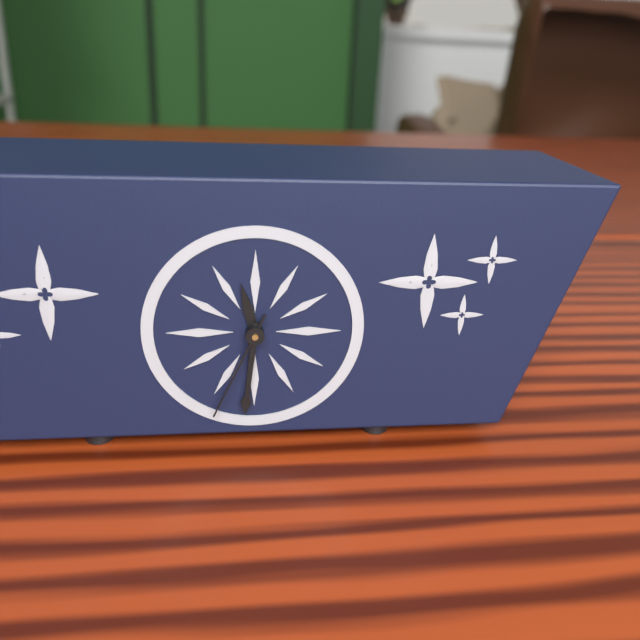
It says 11 h 31 min 34 s
